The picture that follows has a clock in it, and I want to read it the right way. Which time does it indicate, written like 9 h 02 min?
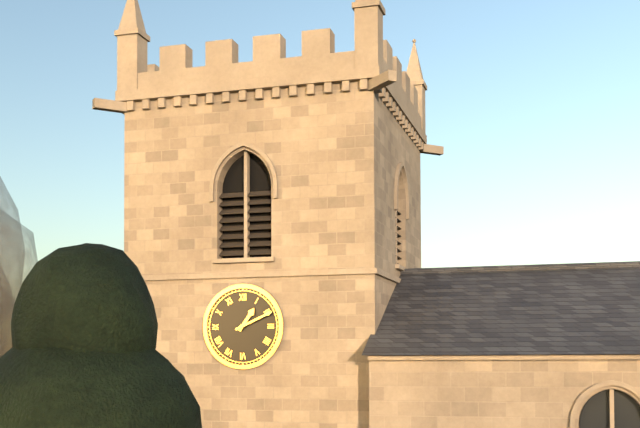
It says 1 h 11 min
